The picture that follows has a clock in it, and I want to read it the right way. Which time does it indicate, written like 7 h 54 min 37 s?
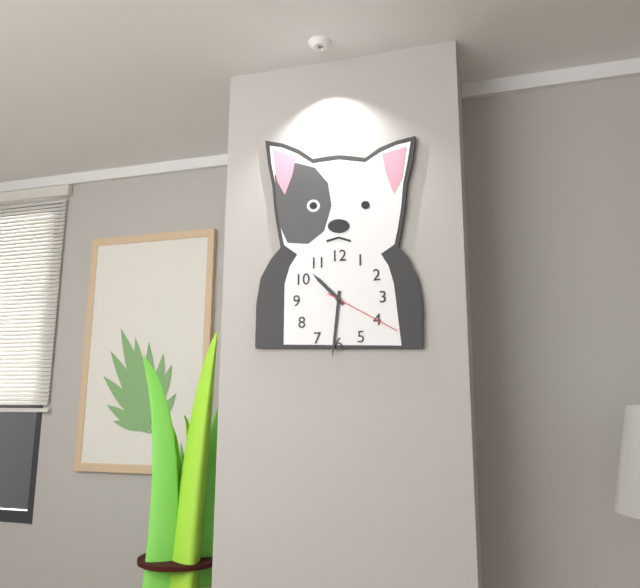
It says 10 h 31 min 20 s
